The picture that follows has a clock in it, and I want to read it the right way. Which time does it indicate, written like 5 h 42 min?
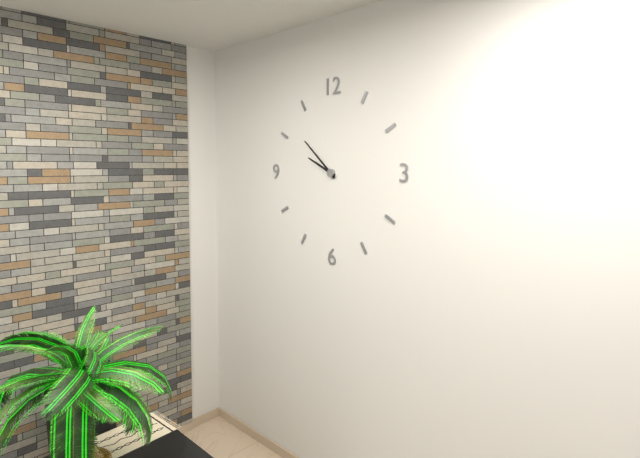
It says 9 h 52 min
